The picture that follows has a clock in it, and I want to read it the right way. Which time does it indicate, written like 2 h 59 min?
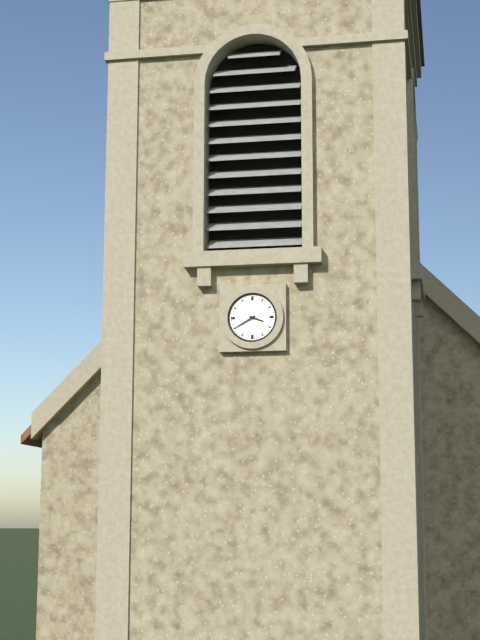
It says 3 h 40 min
